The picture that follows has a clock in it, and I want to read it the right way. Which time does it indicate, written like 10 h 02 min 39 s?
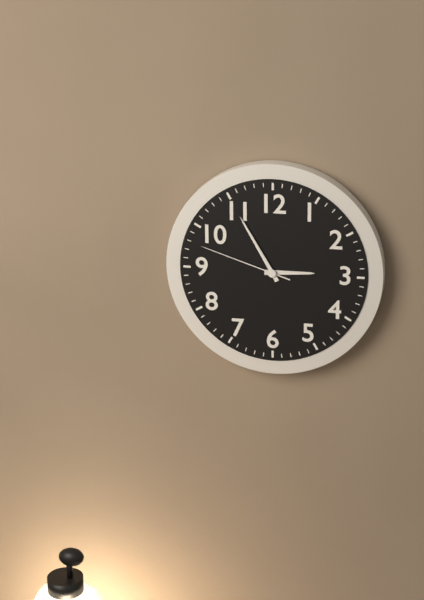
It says 2 h 55 min 48 s
